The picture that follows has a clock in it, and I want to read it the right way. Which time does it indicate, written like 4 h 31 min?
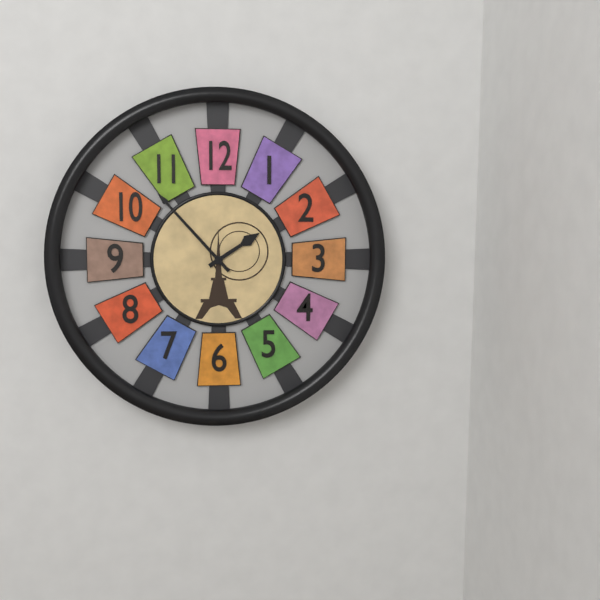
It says 1 h 53 min
